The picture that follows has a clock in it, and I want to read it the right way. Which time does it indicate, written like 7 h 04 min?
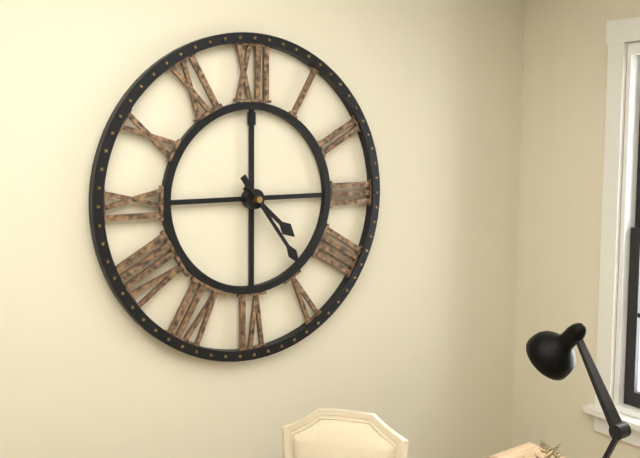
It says 4 h 24 min
